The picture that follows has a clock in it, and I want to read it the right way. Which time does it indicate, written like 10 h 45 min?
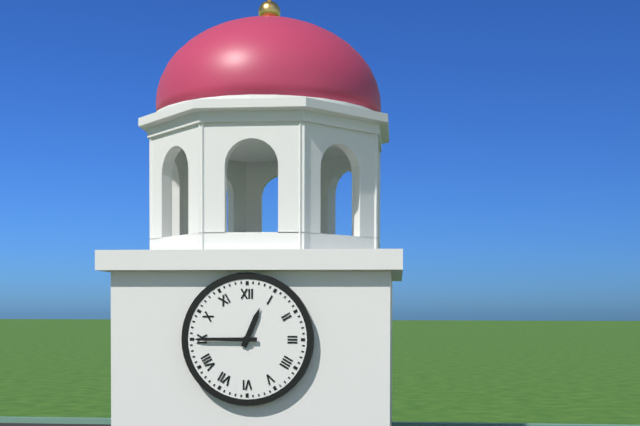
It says 12 h 45 min
